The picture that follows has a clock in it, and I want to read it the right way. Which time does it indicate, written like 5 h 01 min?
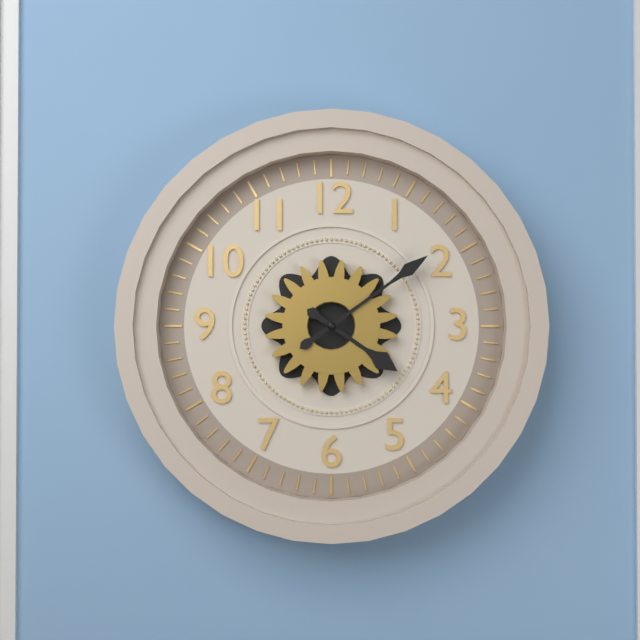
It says 4 h 09 min
